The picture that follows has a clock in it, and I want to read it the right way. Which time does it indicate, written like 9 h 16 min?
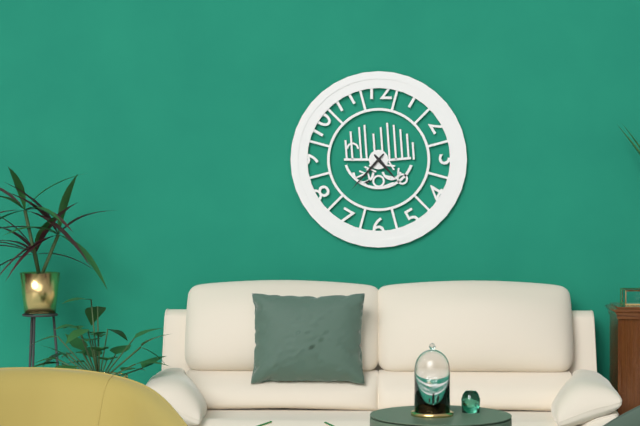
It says 4 h 37 min
